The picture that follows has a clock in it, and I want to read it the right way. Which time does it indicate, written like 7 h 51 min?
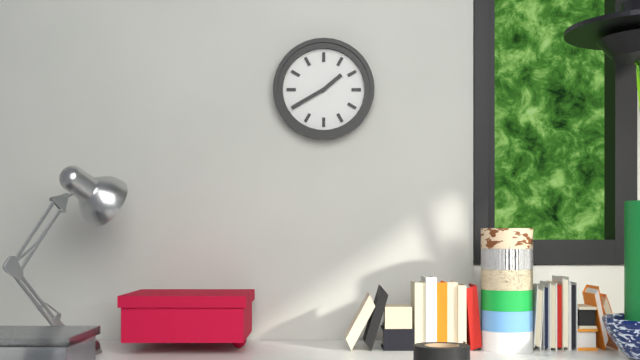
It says 1 h 40 min
